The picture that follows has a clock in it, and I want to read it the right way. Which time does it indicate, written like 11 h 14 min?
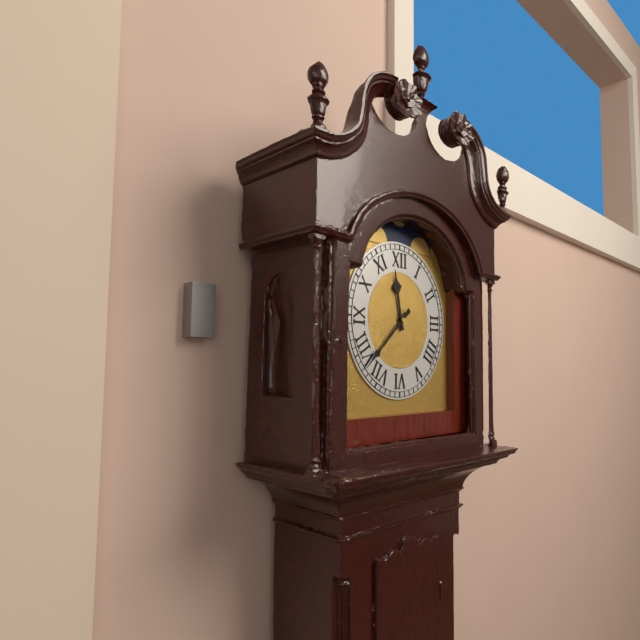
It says 11 h 38 min
